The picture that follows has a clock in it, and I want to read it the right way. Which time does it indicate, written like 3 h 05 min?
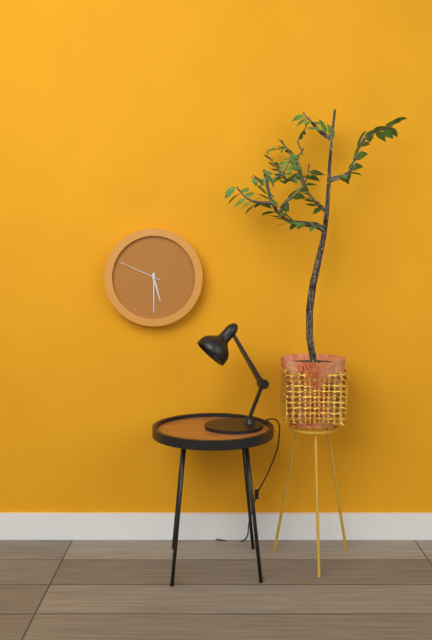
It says 5 h 30 min
